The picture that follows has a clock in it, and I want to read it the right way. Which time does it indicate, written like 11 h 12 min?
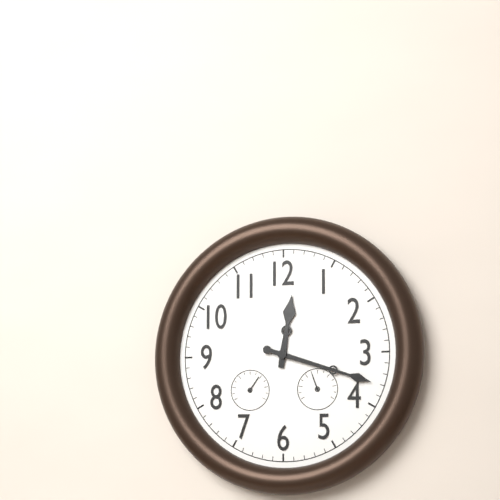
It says 12 h 18 min
